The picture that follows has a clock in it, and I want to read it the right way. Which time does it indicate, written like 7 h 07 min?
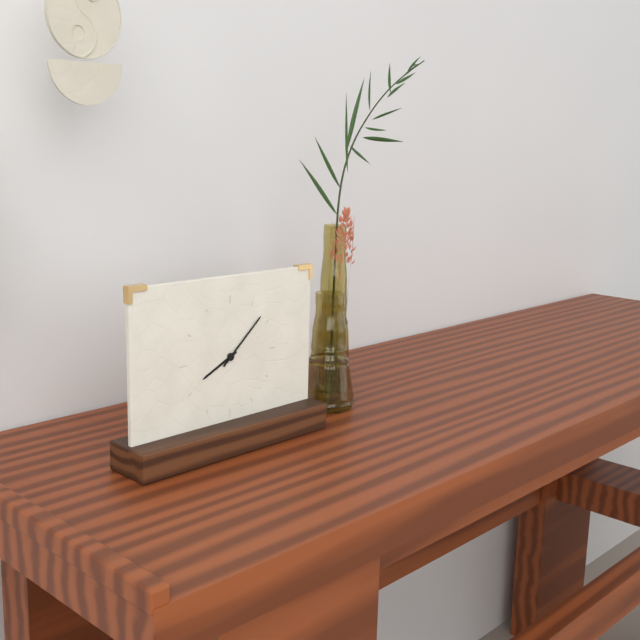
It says 8 h 08 min
